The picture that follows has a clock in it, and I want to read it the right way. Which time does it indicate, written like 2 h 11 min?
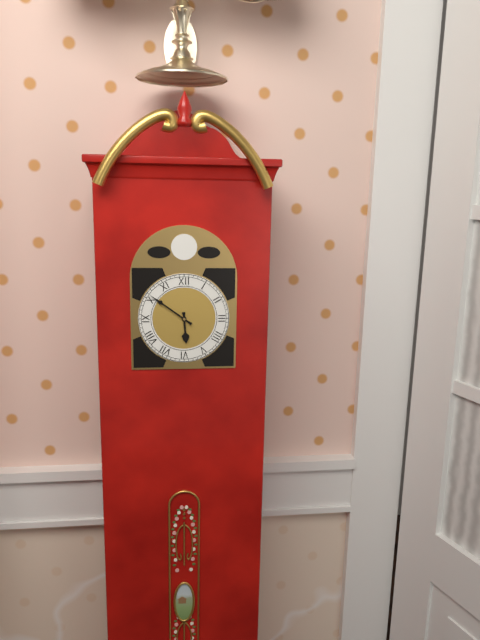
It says 5 h 51 min
